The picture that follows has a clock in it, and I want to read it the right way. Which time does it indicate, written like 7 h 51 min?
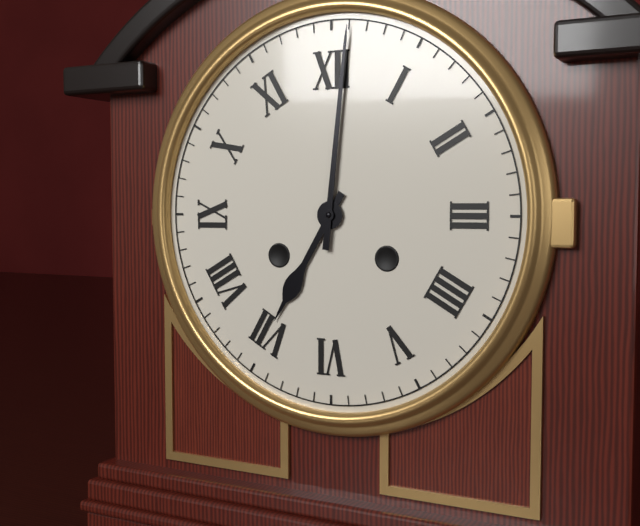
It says 7 h 01 min
